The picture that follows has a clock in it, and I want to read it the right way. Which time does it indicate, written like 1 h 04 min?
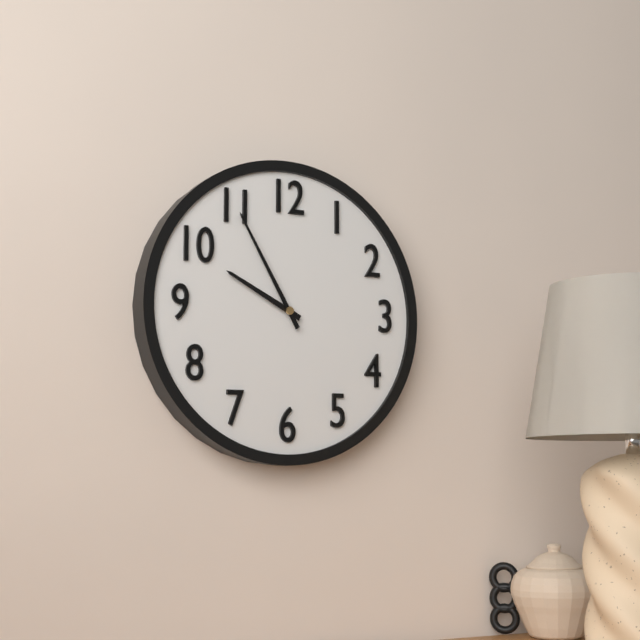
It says 9 h 55 min
